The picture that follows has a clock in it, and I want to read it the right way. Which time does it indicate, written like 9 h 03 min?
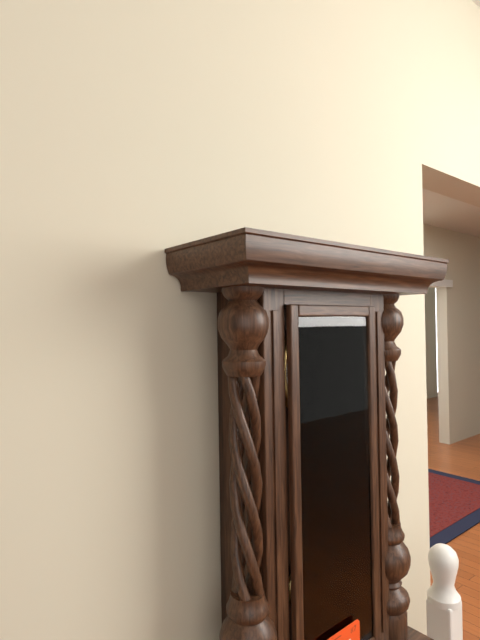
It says 8 h 30 min
